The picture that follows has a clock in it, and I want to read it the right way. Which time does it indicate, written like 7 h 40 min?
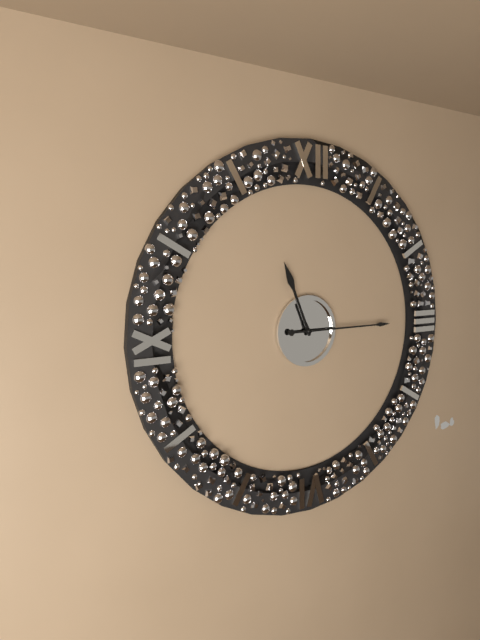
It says 11 h 15 min
